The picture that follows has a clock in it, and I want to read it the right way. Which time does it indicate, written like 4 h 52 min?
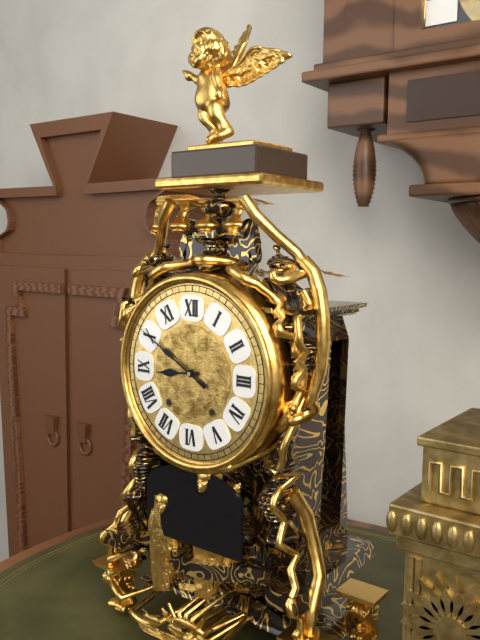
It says 8 h 50 min
